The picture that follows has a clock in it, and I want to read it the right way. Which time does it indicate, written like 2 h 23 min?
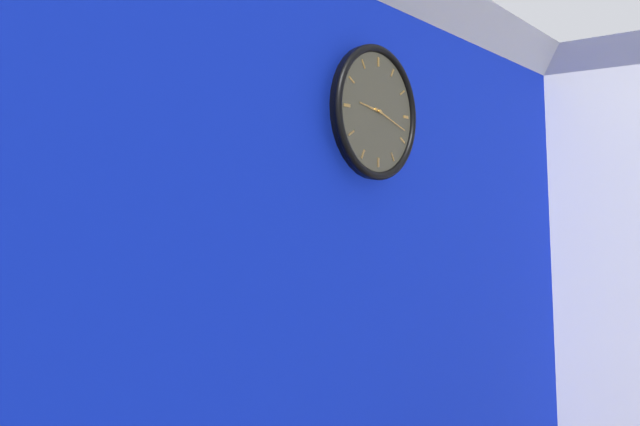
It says 9 h 18 min
